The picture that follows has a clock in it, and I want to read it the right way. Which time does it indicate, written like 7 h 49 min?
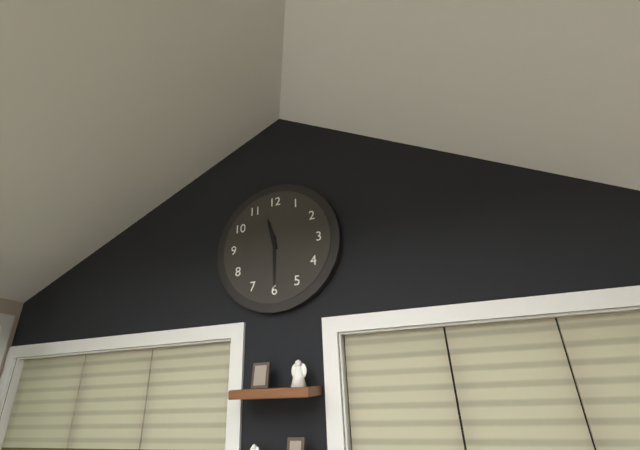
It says 11 h 30 min
